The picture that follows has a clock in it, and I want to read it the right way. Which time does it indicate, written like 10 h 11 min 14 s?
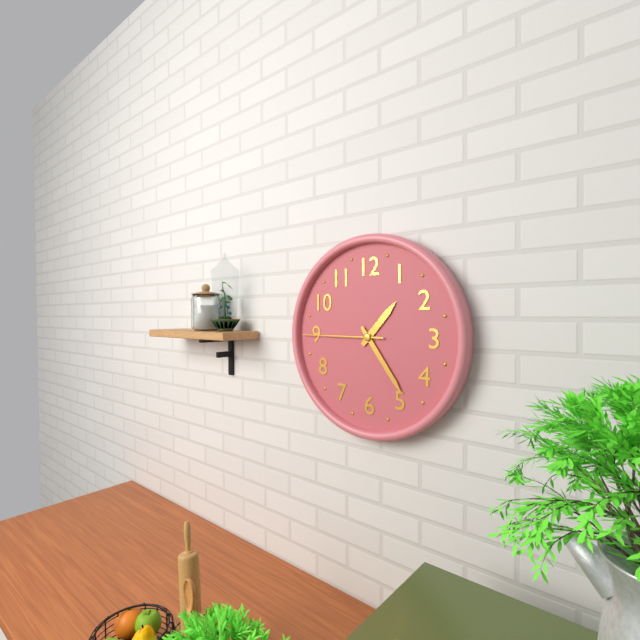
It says 1 h 24 min 45 s
